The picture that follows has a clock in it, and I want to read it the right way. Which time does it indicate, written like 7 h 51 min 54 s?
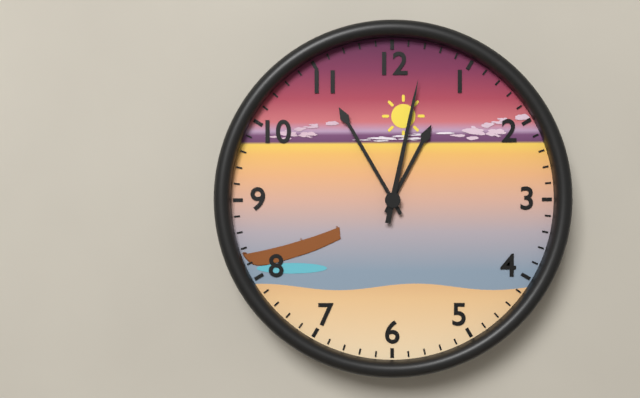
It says 12 h 55 min 02 s
